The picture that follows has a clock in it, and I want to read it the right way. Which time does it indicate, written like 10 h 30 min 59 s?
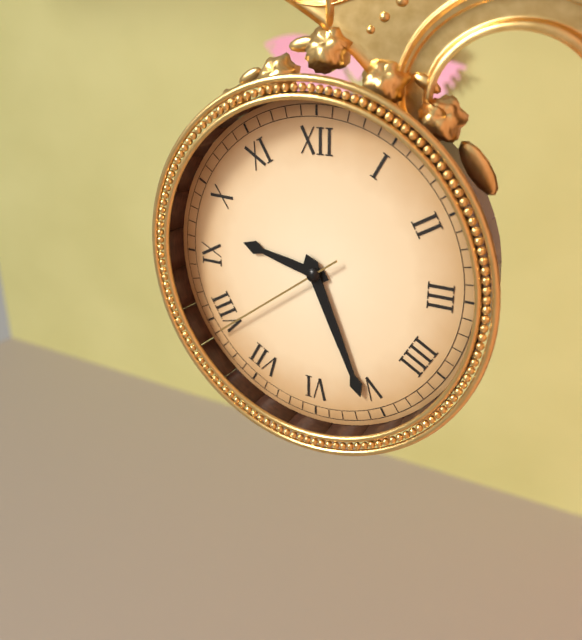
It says 9 h 26 min 39 s
